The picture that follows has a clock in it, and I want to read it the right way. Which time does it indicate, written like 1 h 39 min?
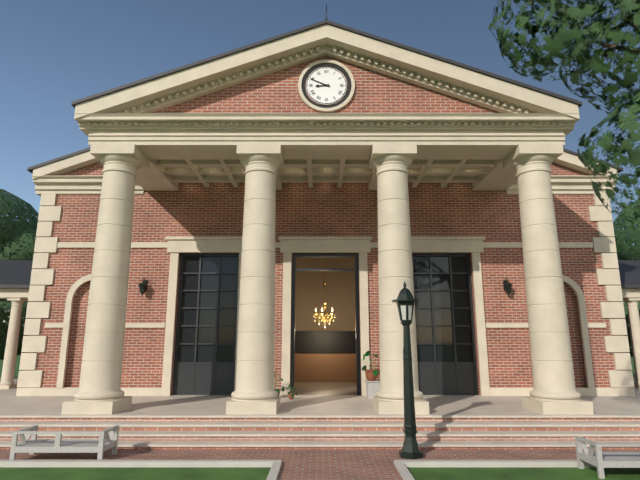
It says 8 h 49 min
